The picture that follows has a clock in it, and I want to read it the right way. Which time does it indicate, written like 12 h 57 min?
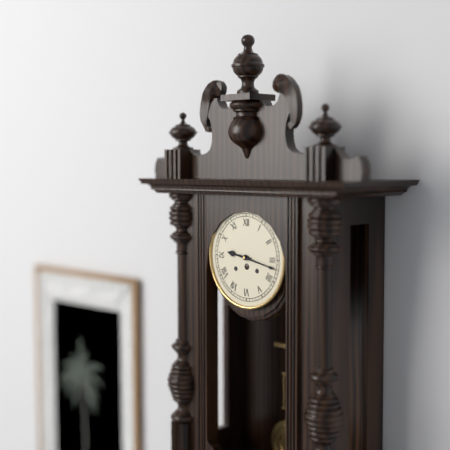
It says 9 h 17 min
